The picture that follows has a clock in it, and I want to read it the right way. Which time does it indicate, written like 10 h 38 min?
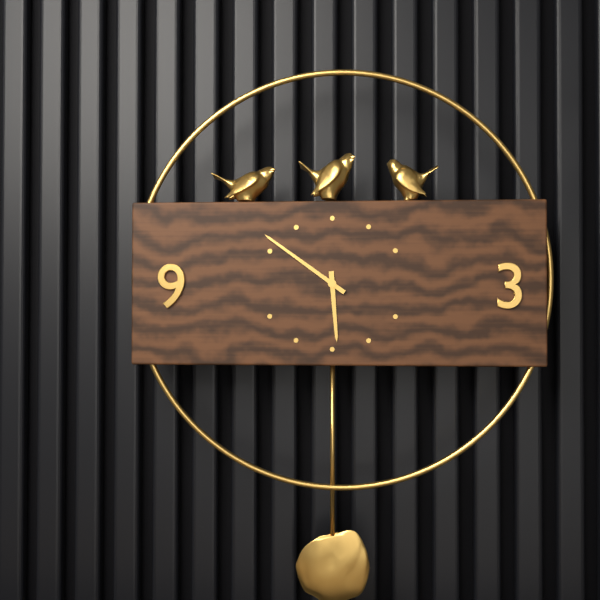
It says 5 h 51 min
